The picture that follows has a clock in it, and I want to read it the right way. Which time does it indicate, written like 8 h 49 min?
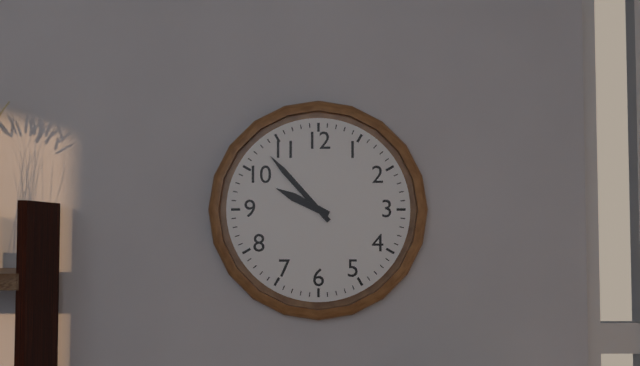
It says 9 h 53 min
